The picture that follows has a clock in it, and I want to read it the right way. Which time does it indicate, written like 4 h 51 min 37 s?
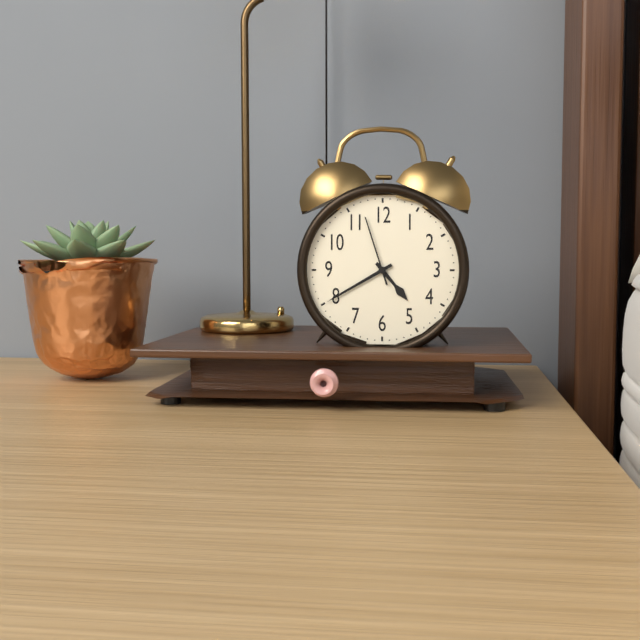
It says 4 h 40 min 57 s
